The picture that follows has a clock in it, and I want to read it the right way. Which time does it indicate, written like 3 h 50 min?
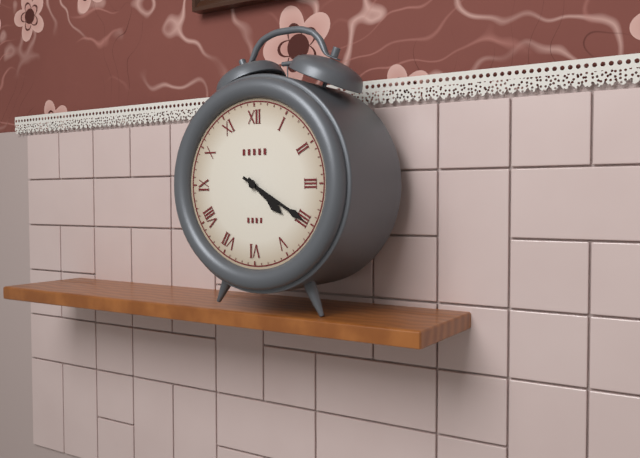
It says 4 h 20 min
